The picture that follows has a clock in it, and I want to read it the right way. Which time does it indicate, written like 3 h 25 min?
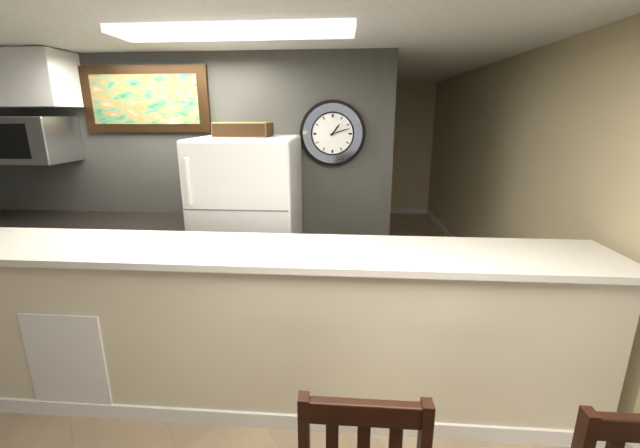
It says 1 h 12 min
